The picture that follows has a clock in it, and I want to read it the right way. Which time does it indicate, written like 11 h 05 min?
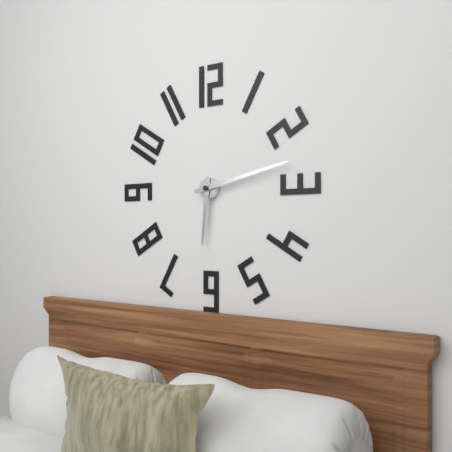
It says 6 h 13 min
